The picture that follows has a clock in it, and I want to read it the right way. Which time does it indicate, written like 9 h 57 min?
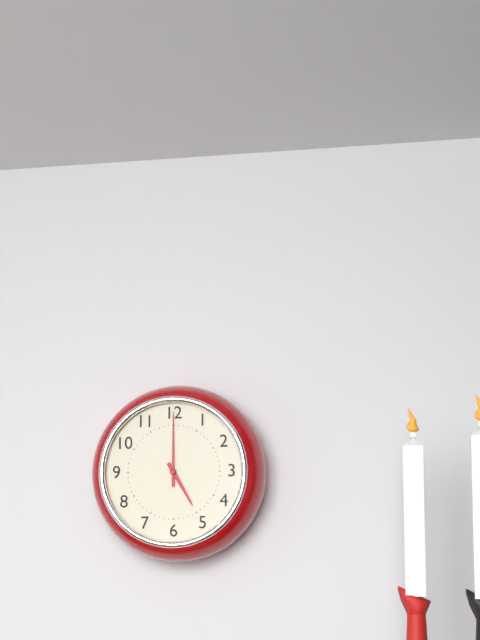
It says 5 h 00 min
